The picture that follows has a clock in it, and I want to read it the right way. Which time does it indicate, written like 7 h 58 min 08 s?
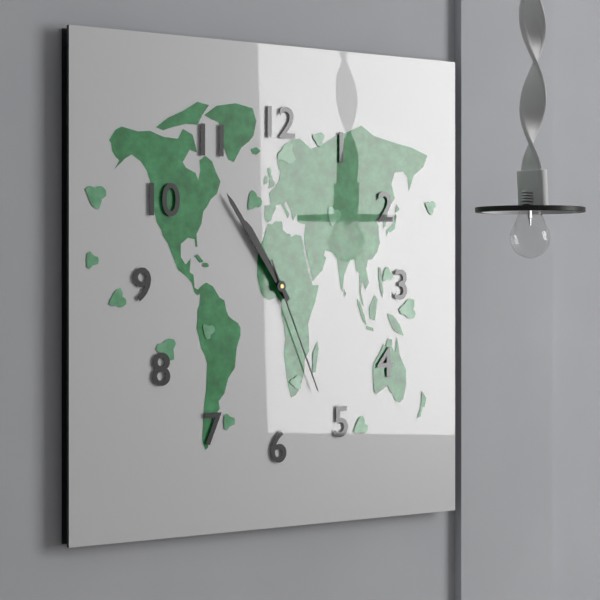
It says 10 h 54 min 26 s
